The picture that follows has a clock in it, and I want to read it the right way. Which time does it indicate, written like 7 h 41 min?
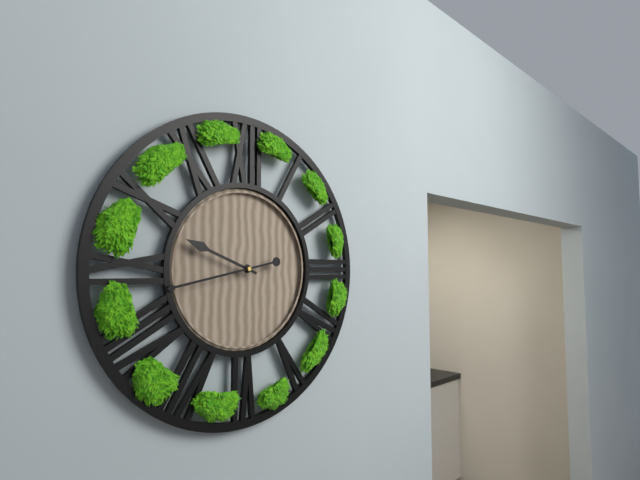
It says 9 h 43 min
